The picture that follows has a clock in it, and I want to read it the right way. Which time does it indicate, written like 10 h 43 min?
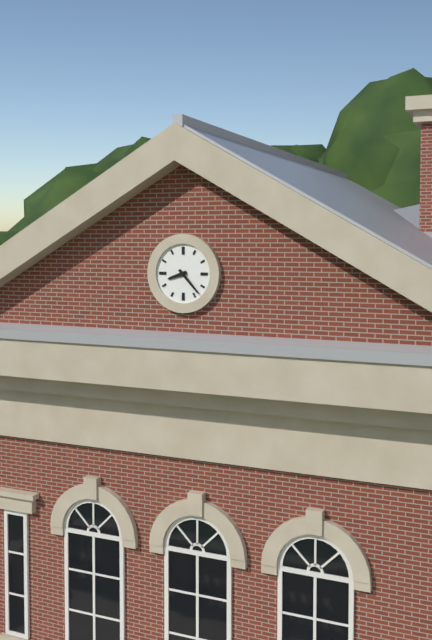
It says 8 h 23 min
